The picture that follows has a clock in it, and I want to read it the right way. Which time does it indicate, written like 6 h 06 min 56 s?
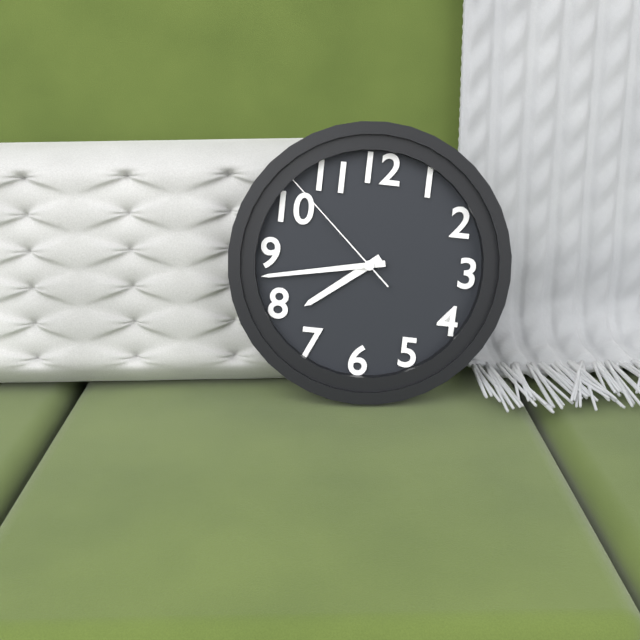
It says 7 h 43 min 52 s
